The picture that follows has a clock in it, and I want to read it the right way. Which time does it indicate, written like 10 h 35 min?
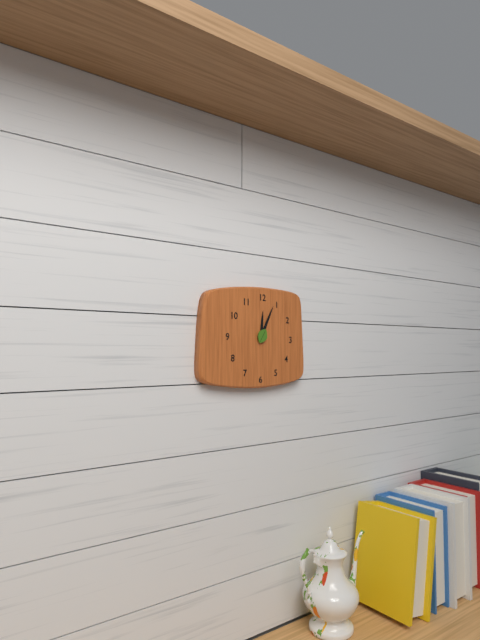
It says 12 h 04 min
